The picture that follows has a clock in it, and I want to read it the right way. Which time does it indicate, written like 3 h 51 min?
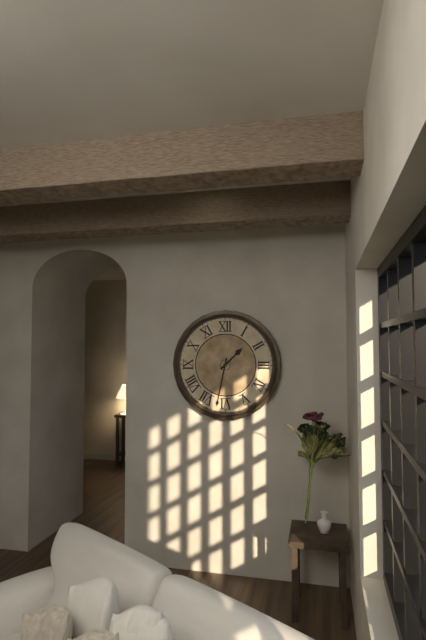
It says 1 h 32 min
